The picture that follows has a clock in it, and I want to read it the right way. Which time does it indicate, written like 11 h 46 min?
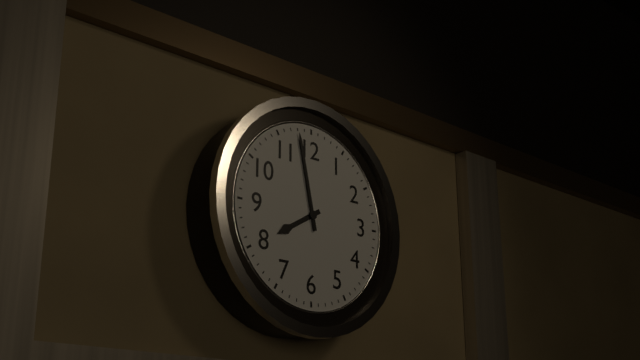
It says 7 h 58 min
